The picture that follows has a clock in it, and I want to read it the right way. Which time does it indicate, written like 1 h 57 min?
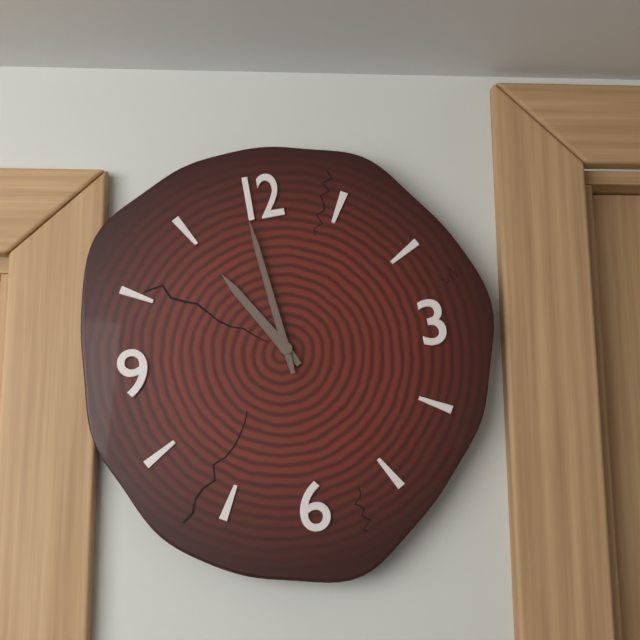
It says 10 h 59 min
